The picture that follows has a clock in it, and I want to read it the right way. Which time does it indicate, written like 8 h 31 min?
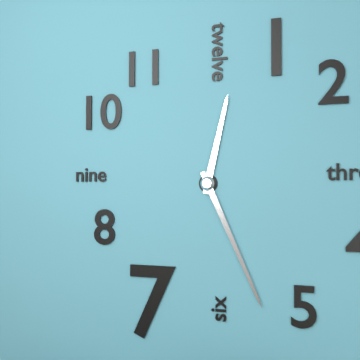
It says 12 h 26 min
